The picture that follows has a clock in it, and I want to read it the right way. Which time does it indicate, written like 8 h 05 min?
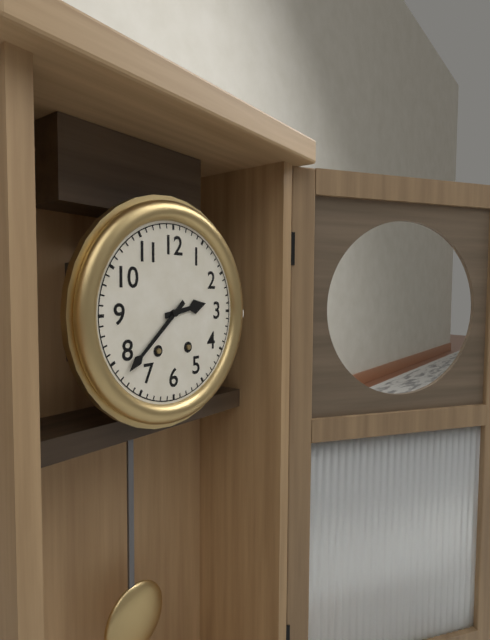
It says 2 h 38 min
